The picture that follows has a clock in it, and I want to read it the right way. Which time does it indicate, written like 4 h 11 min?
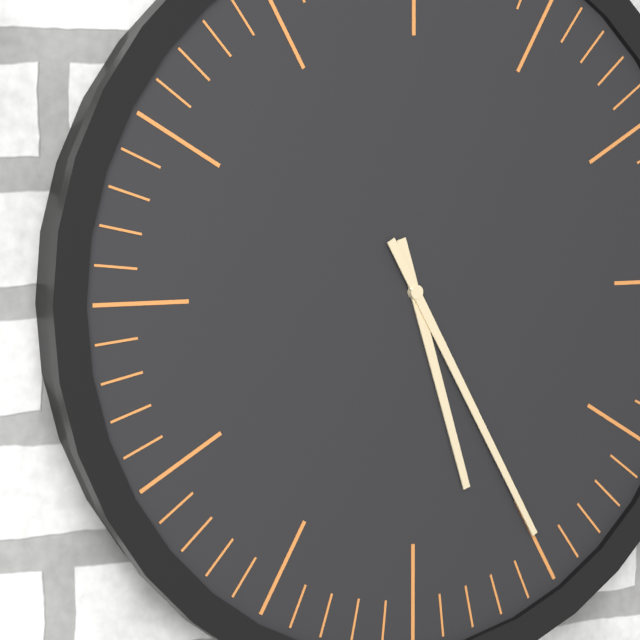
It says 5 h 25 min
